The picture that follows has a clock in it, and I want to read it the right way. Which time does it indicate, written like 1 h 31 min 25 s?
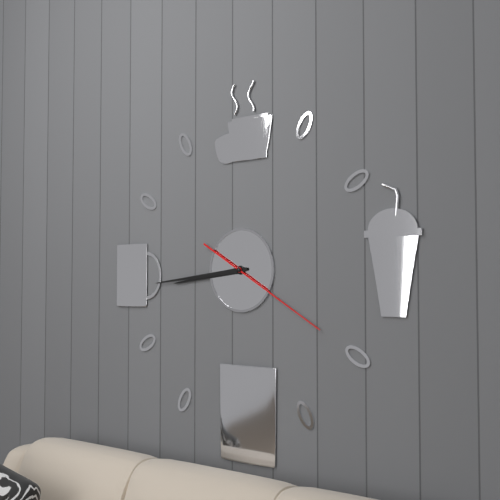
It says 8 h 44 min 20 s
